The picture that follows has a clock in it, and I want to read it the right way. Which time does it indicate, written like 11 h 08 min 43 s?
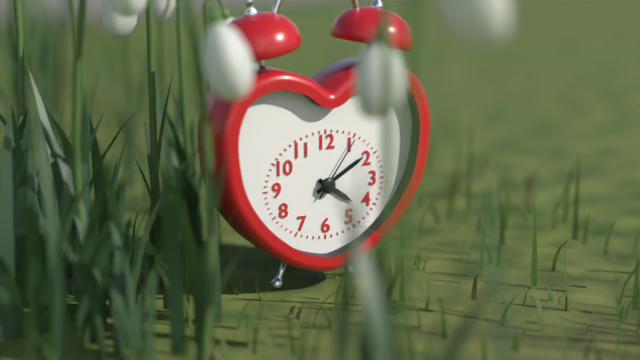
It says 4 h 10 min 06 s
